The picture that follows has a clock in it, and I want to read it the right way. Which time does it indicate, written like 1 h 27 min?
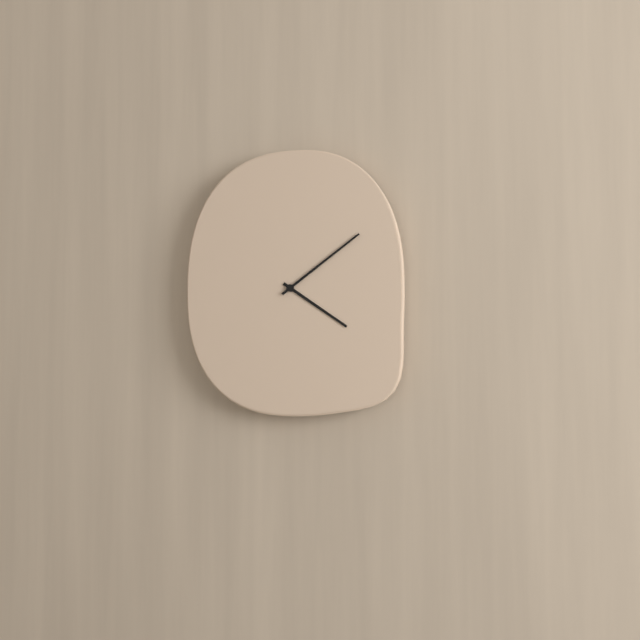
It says 4 h 09 min
